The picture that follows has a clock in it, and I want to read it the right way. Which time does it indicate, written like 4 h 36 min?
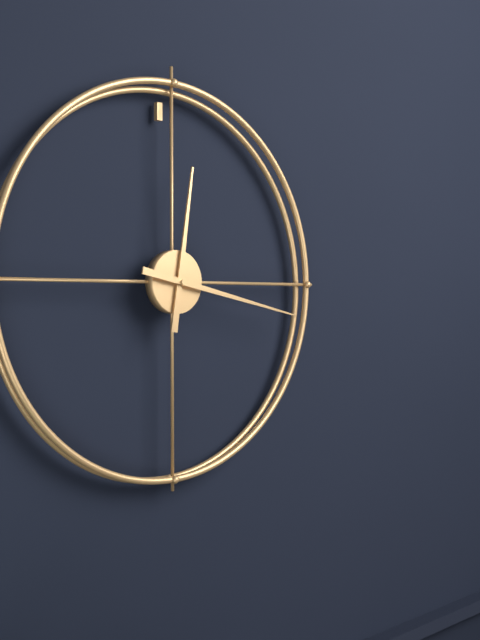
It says 12 h 17 min
